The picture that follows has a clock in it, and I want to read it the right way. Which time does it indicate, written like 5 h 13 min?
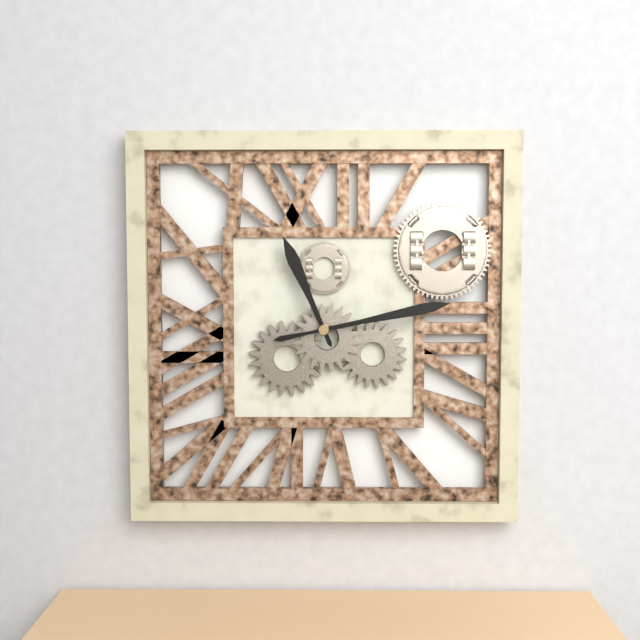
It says 11 h 13 min
